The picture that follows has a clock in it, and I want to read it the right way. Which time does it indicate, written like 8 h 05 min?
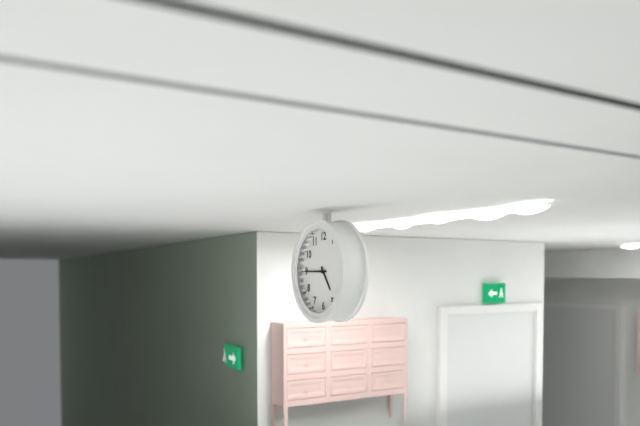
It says 4 h 45 min
